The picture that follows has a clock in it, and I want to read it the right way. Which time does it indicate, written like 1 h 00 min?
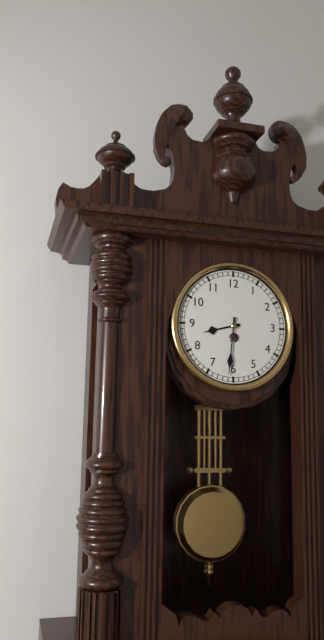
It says 8 h 31 min
